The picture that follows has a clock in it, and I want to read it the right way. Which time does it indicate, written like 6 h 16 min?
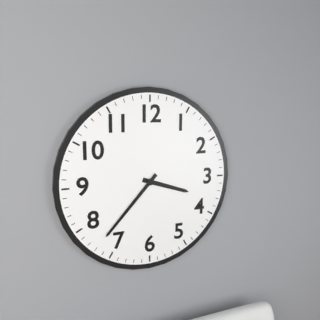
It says 3 h 37 min
